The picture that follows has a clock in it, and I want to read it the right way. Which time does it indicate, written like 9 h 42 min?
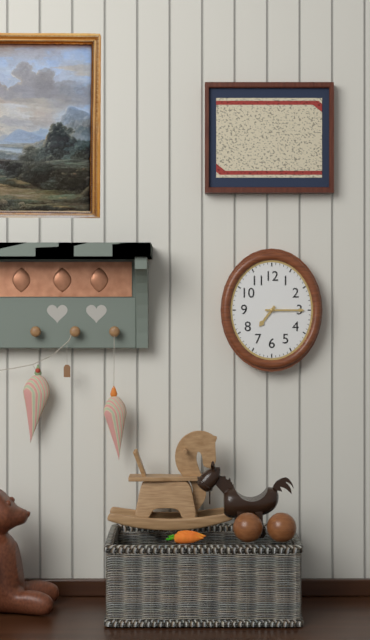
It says 7 h 15 min
